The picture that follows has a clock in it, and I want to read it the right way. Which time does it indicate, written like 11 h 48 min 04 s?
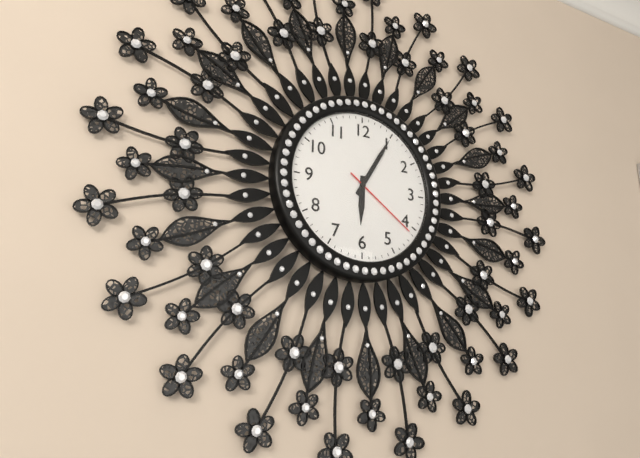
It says 6 h 05 min 21 s
